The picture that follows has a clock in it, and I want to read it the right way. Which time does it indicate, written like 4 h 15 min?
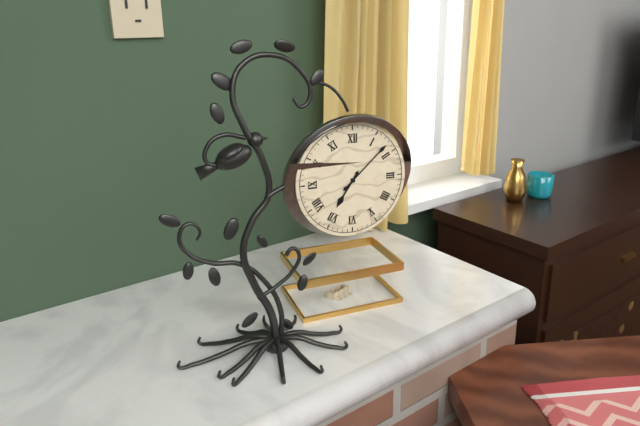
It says 7 h 08 min
